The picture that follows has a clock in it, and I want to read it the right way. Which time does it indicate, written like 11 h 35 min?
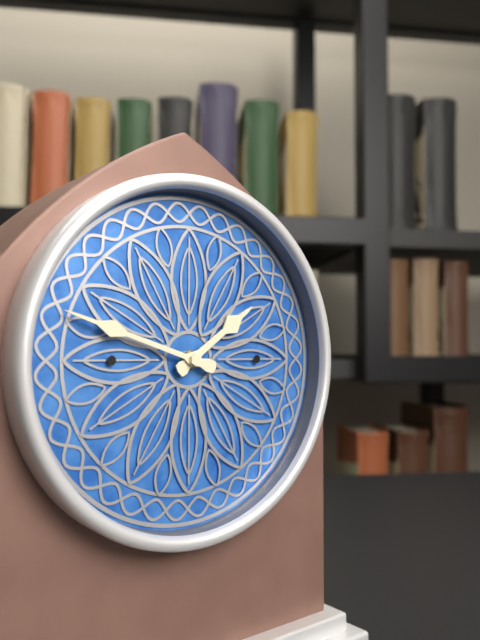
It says 1 h 48 min
